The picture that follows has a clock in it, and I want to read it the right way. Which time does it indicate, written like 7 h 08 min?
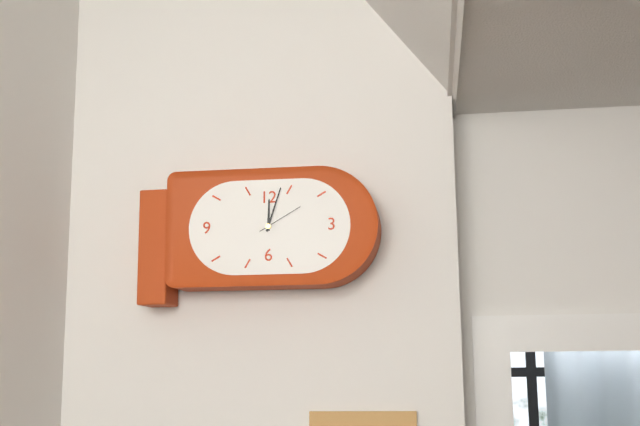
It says 12 h 03 min
